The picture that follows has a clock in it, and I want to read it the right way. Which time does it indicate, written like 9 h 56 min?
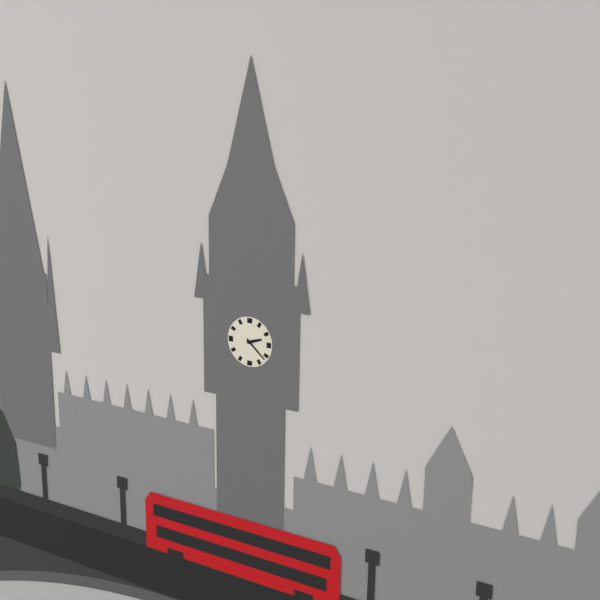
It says 2 h 22 min
